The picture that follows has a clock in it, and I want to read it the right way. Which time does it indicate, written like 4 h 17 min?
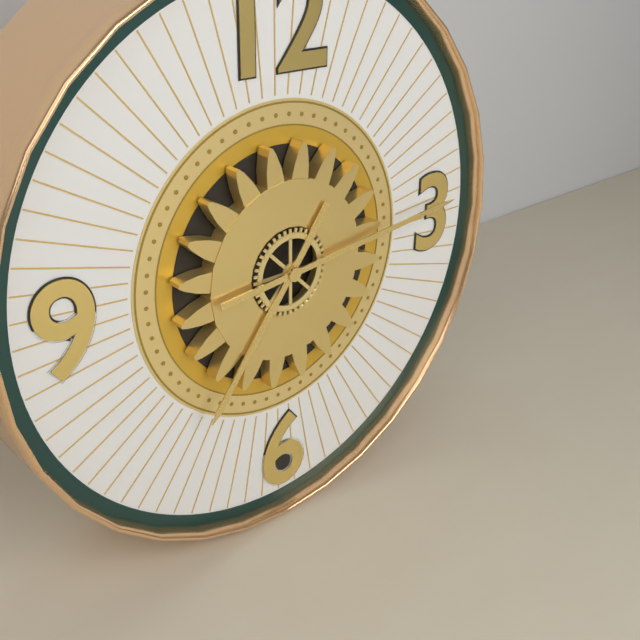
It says 7 h 14 min
